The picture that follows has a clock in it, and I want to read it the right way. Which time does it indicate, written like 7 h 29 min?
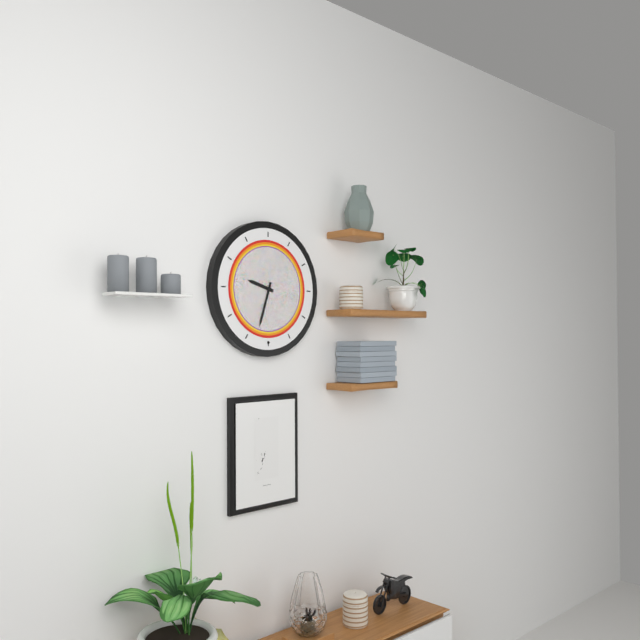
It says 9 h 33 min
